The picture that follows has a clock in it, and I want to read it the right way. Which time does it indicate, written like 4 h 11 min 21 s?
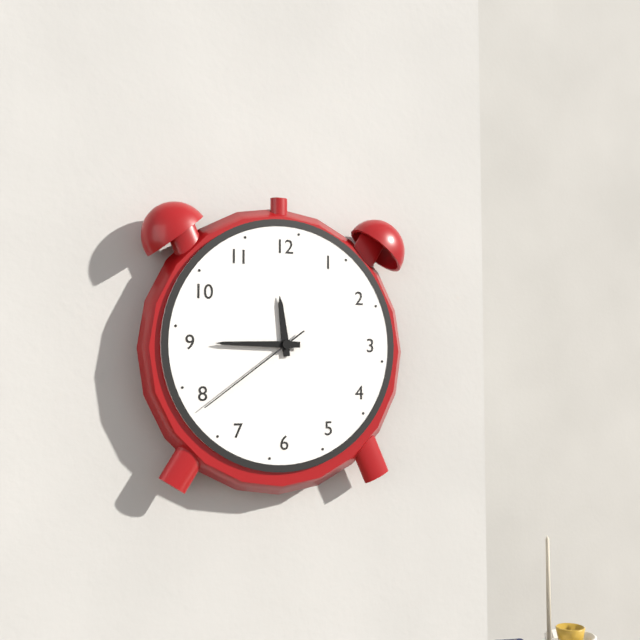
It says 11 h 45 min 39 s
